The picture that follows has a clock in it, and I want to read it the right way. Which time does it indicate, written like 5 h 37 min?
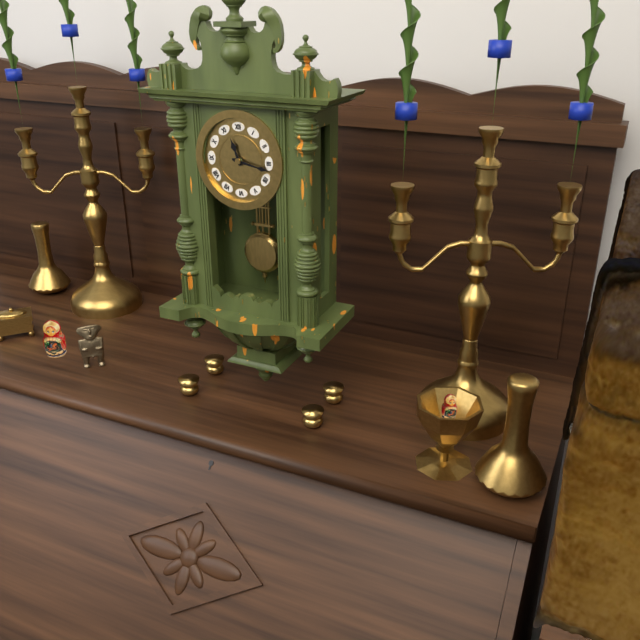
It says 11 h 17 min
